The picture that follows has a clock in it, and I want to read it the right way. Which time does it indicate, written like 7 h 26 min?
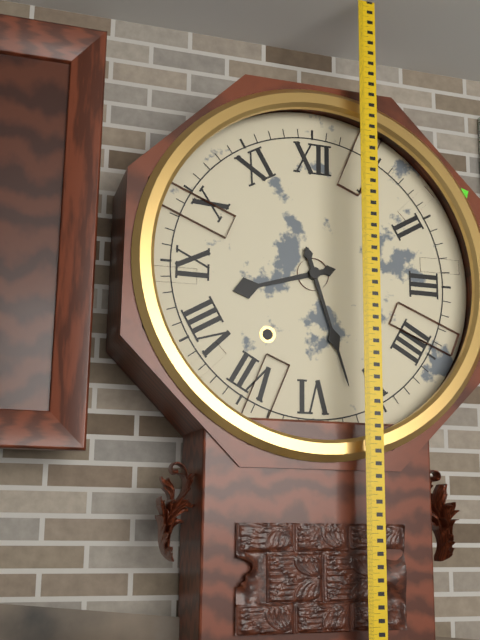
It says 8 h 27 min
